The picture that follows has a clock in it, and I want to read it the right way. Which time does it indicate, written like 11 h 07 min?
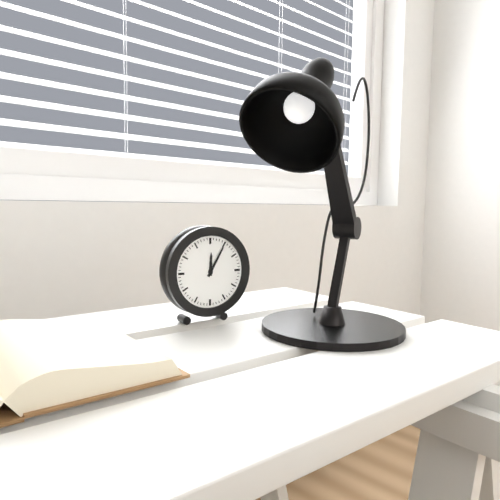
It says 12 h 05 min
